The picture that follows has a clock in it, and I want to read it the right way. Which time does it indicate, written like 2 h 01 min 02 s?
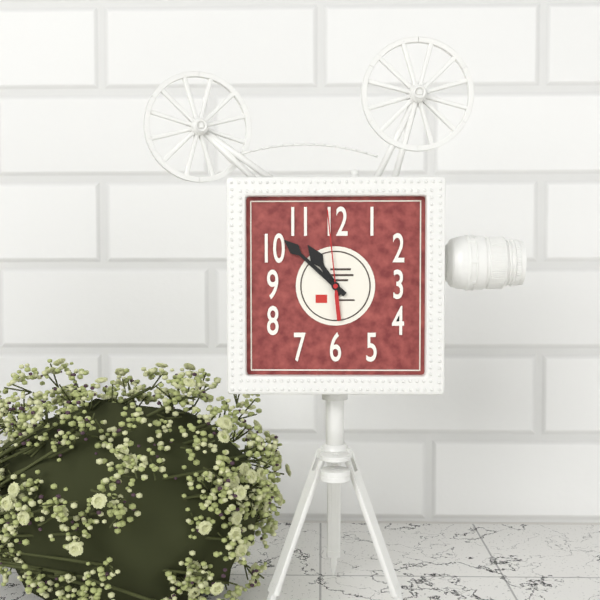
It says 10 h 52 min 59 s
